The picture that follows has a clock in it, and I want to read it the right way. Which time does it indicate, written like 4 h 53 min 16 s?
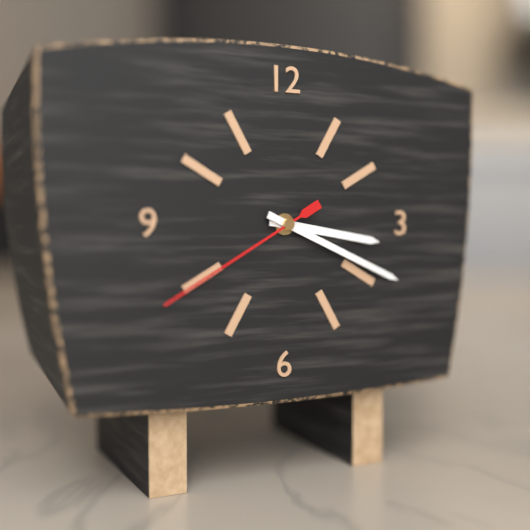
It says 3 h 19 min 40 s
